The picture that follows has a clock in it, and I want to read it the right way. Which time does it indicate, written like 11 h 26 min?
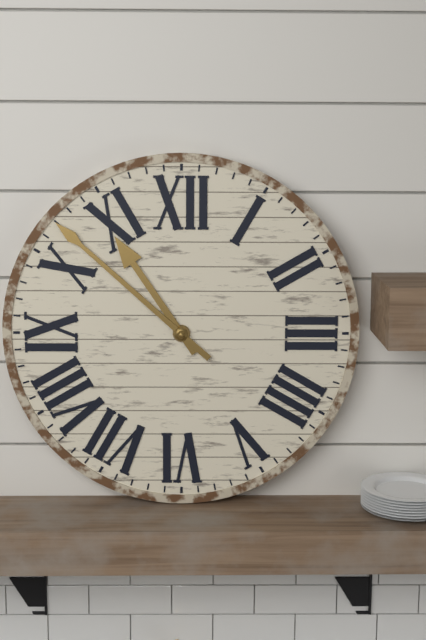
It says 10 h 52 min
